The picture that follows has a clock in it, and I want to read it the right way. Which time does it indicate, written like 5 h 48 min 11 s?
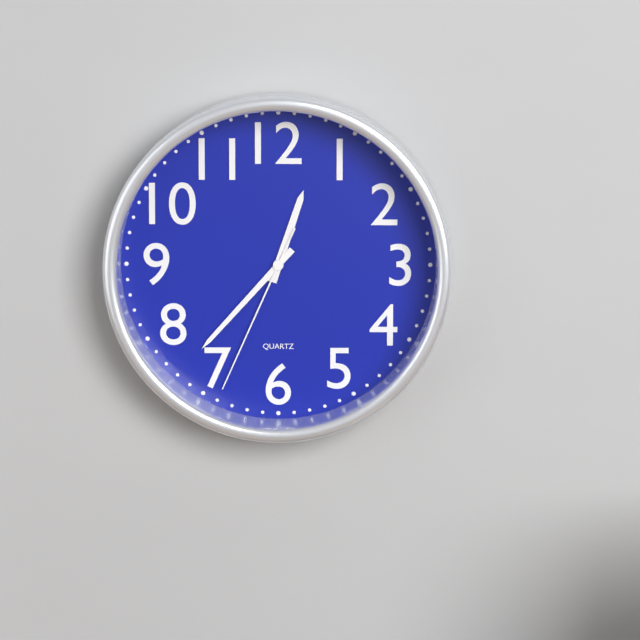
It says 12 h 37 min 34 s
